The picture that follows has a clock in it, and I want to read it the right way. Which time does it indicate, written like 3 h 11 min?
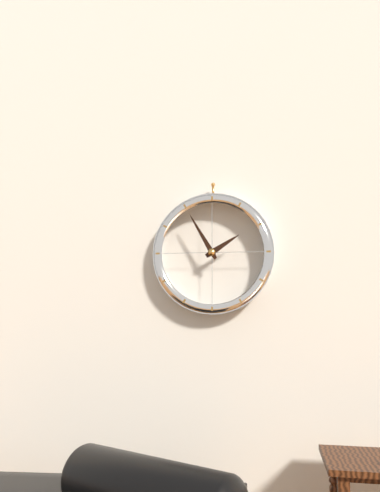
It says 1 h 55 min
